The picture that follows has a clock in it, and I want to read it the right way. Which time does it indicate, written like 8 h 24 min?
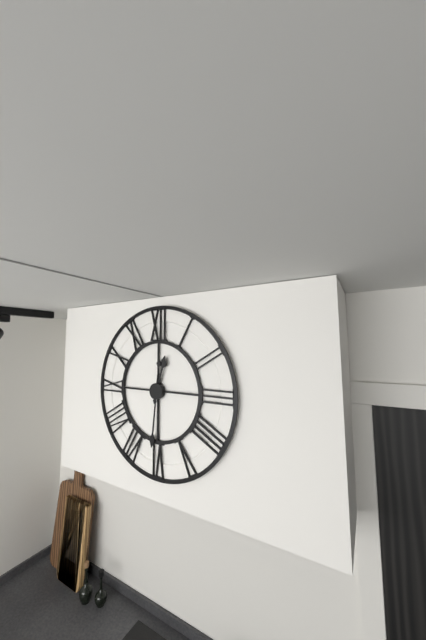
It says 12 h 31 min
